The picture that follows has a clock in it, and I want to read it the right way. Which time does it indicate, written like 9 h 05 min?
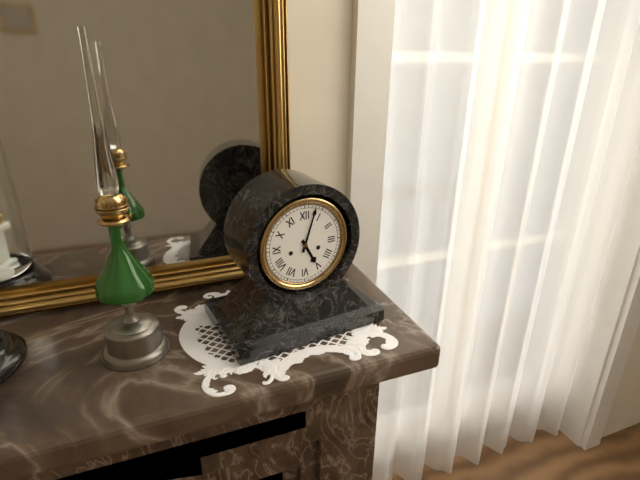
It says 5 h 03 min
